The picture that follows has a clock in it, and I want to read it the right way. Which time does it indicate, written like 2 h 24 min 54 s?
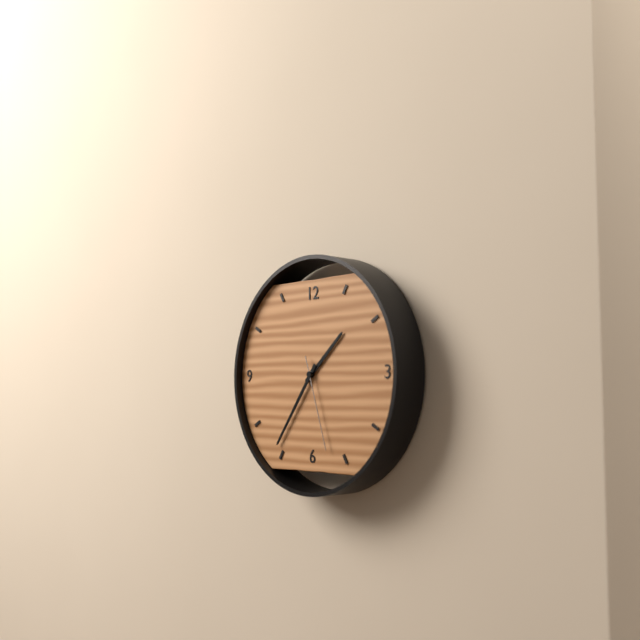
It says 1 h 36 min 27 s
